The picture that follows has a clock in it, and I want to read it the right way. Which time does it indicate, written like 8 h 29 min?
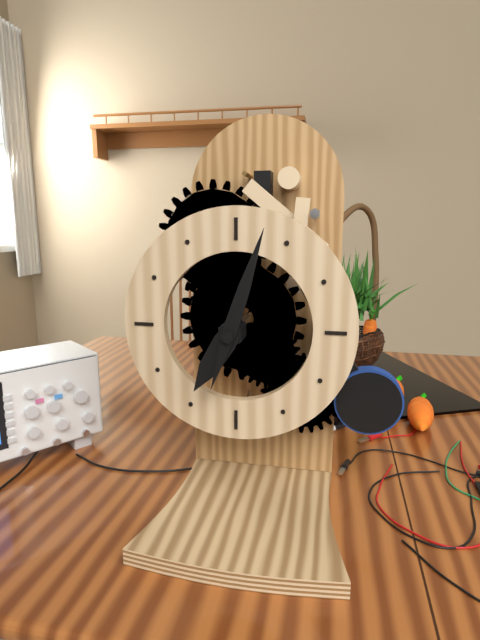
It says 7 h 03 min
